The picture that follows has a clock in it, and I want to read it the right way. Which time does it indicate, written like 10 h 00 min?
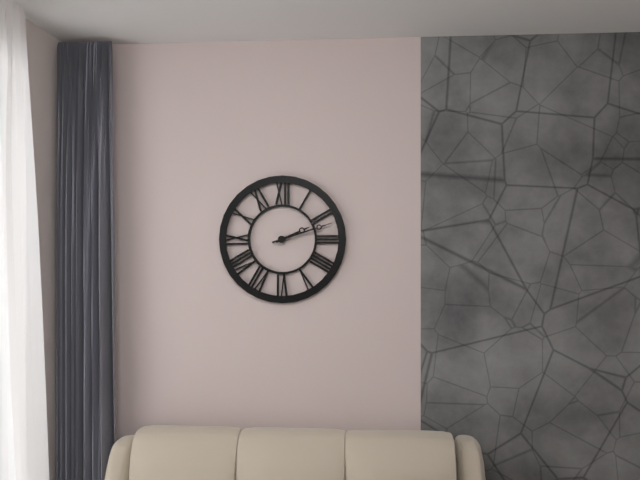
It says 2 h 12 min
